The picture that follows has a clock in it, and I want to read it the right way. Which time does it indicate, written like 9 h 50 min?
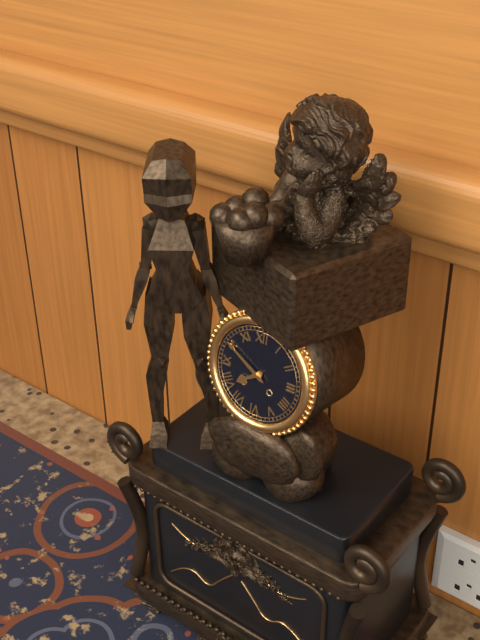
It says 7 h 50 min
